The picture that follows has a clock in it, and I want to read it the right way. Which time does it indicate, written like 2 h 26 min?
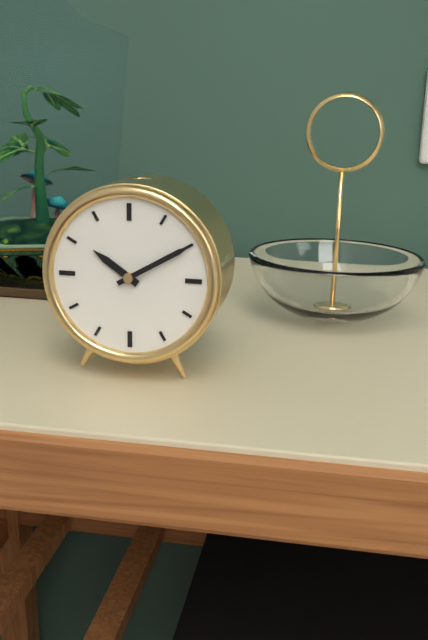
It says 10 h 10 min
